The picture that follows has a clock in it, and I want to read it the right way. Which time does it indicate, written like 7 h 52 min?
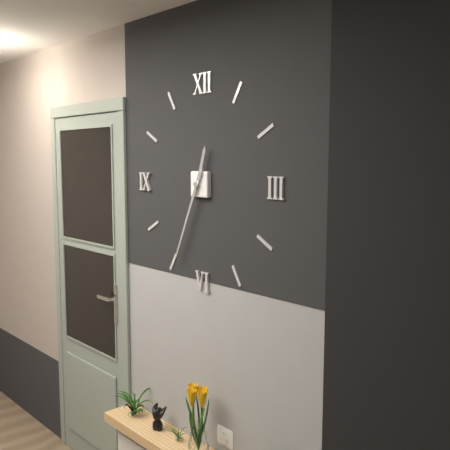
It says 12 h 34 min
